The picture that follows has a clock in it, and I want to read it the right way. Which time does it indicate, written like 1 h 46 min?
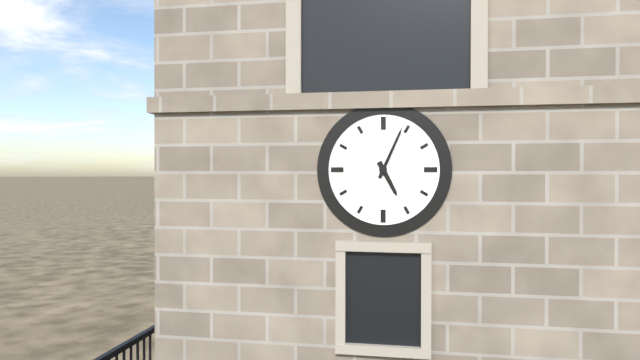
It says 5 h 04 min
